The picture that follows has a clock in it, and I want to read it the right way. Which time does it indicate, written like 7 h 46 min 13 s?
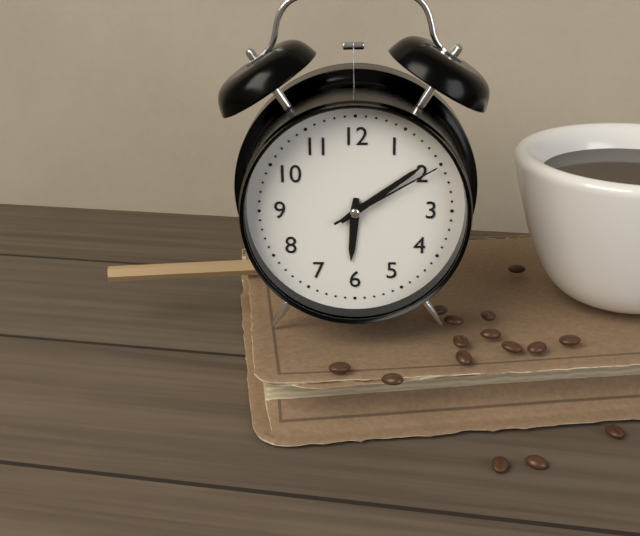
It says 6 h 09 min 10 s
